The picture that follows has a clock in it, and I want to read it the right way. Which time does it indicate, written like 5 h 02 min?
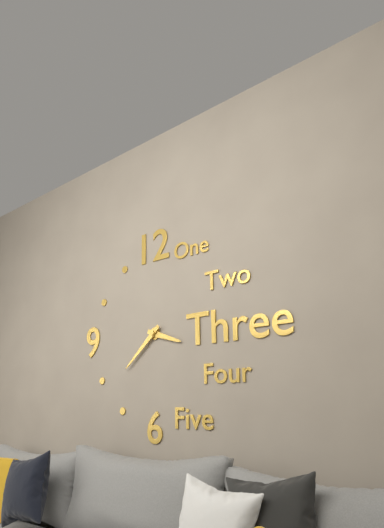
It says 3 h 38 min
